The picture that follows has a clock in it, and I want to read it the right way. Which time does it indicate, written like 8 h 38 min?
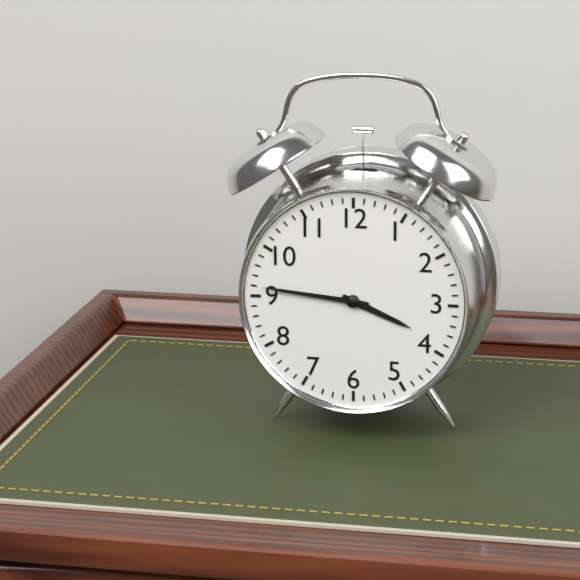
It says 3 h 46 min
